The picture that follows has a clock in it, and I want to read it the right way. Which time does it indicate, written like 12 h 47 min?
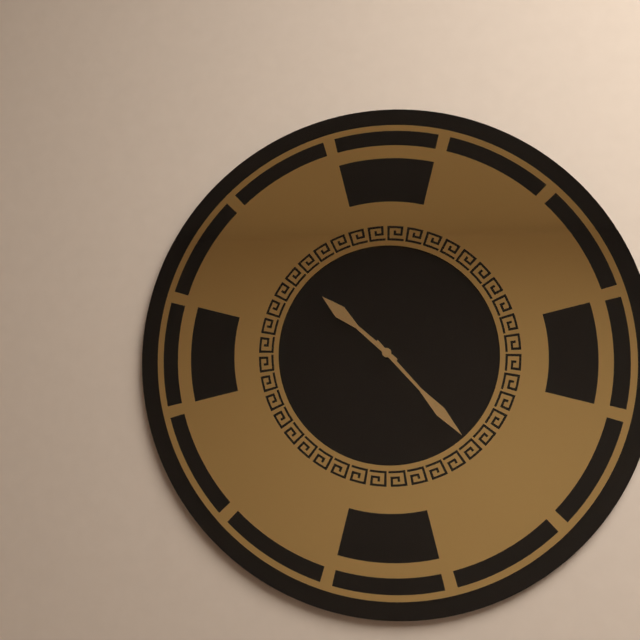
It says 10 h 23 min
